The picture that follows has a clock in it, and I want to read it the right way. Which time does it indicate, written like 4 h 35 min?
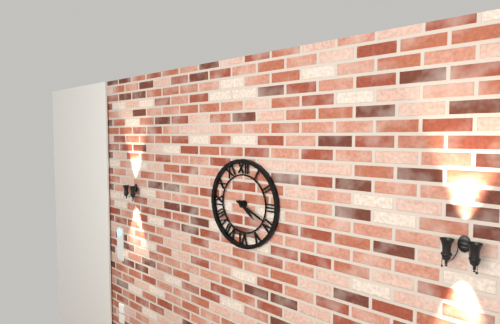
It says 4 h 19 min
